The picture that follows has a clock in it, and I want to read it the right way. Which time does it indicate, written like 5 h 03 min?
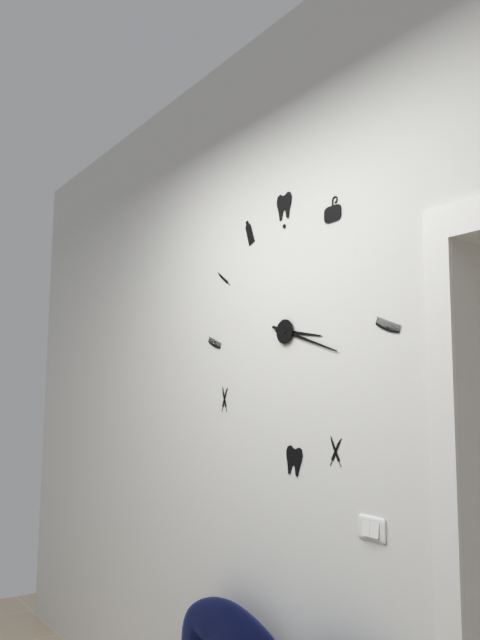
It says 3 h 18 min
